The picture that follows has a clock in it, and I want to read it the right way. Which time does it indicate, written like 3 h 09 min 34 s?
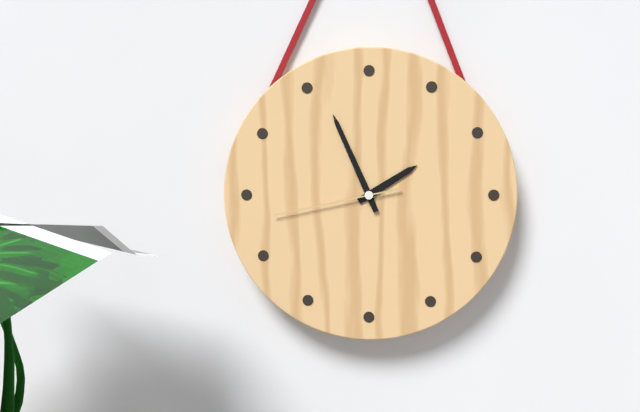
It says 1 h 56 min 43 s
